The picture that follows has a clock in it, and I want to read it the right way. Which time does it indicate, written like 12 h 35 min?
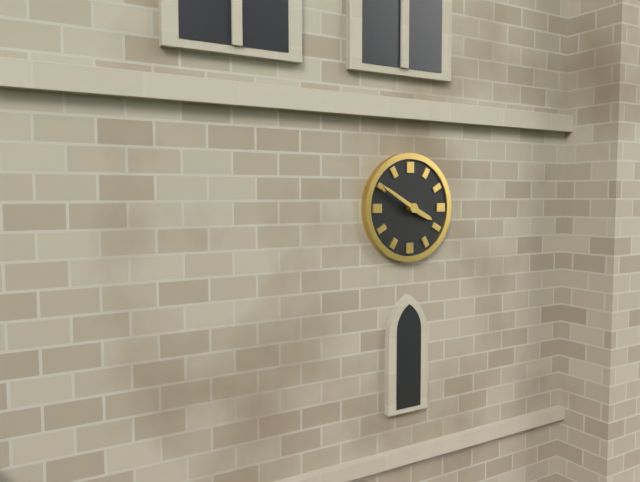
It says 3 h 50 min
